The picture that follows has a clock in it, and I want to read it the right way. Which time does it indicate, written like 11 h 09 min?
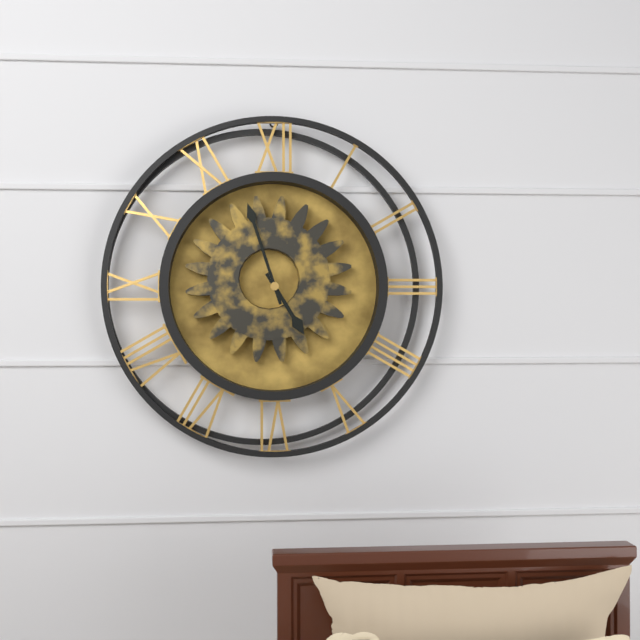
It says 4 h 57 min
